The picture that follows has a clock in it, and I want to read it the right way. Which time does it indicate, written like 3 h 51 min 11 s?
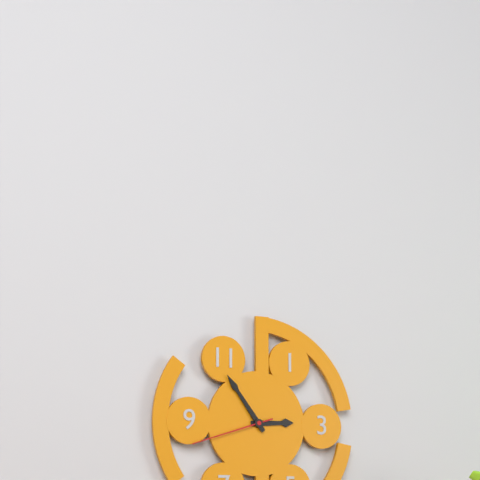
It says 2 h 54 min 42 s
